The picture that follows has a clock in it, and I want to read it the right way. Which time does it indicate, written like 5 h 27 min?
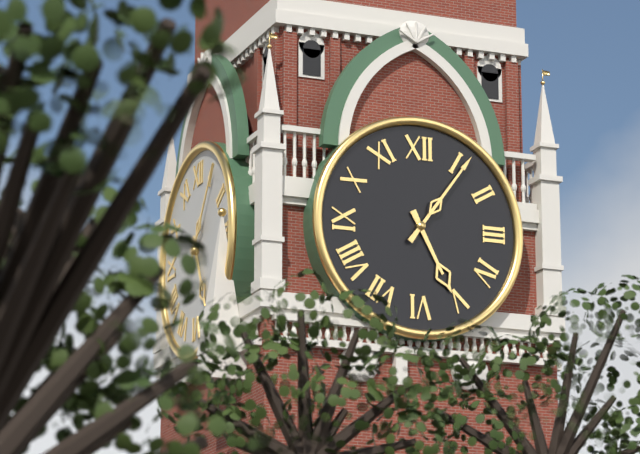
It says 5 h 06 min
